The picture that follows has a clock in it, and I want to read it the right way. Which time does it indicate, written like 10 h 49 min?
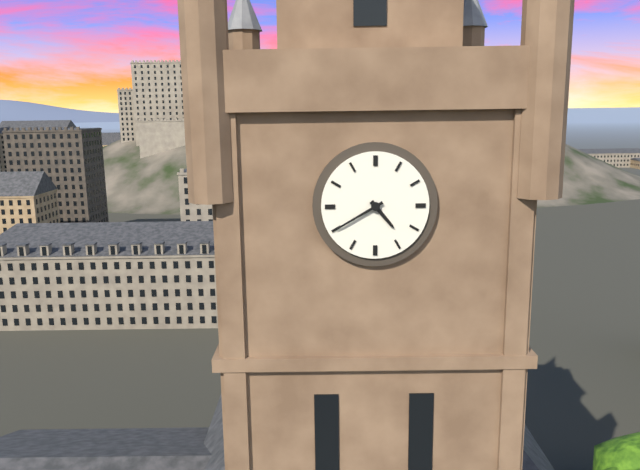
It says 4 h 40 min
